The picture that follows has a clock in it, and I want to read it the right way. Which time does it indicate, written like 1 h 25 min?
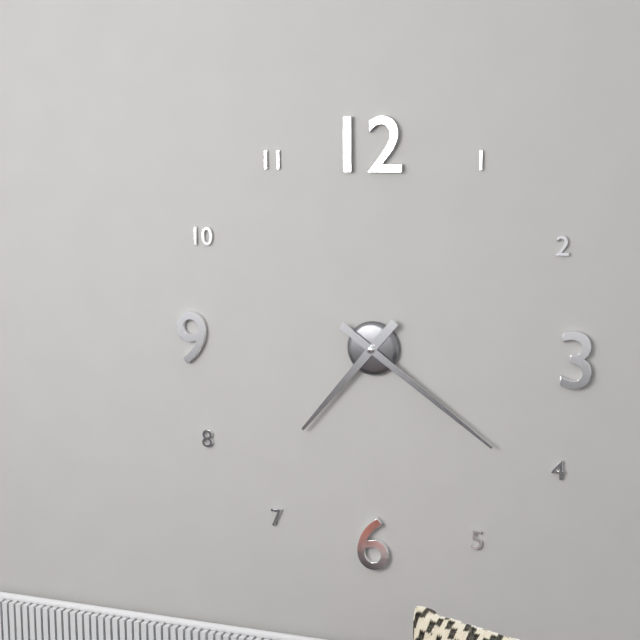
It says 7 h 21 min
